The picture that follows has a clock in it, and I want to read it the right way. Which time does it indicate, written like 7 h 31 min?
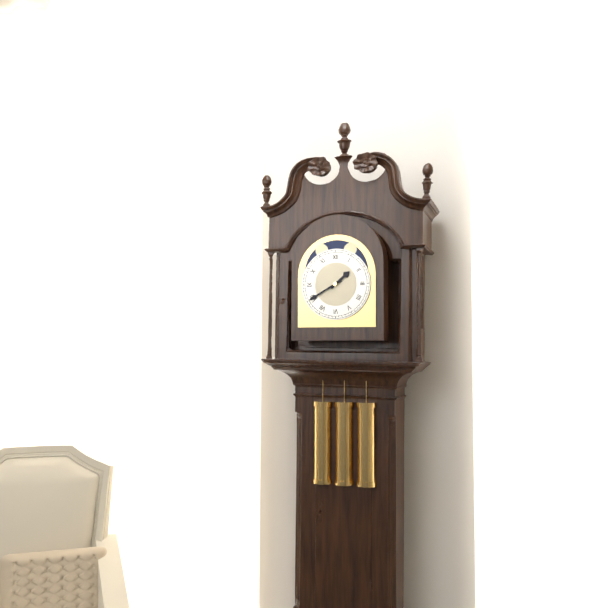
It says 1 h 40 min
